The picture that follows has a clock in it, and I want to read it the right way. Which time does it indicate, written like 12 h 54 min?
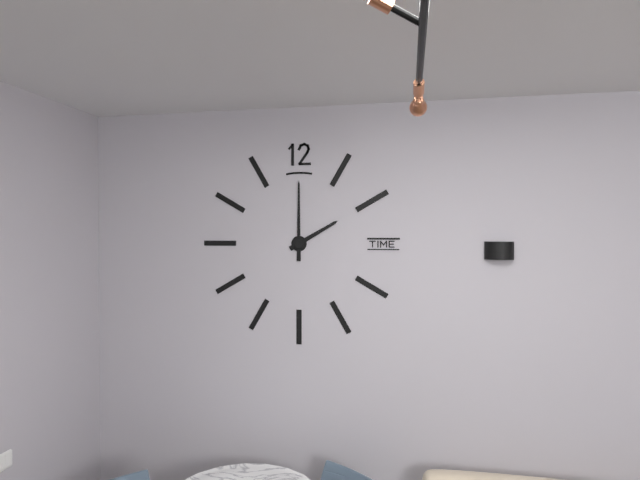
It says 2 h 00 min
